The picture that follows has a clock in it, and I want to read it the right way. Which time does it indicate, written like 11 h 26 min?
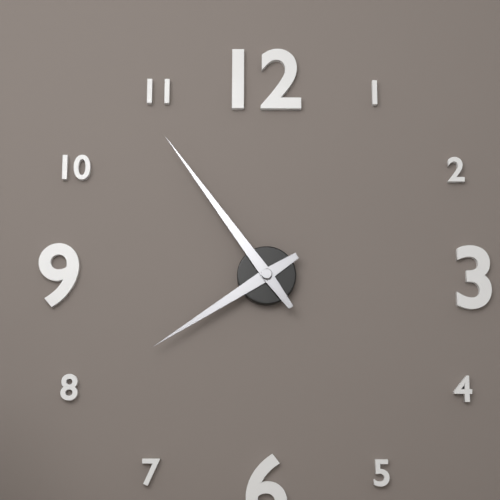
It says 7 h 54 min
